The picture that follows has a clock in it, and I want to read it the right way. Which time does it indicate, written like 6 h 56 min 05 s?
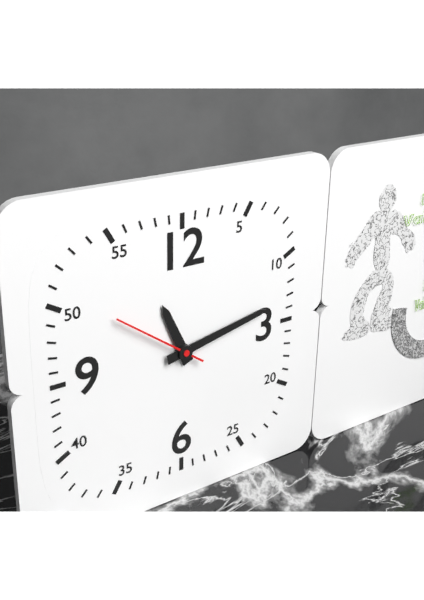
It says 11 h 13 min 51 s
